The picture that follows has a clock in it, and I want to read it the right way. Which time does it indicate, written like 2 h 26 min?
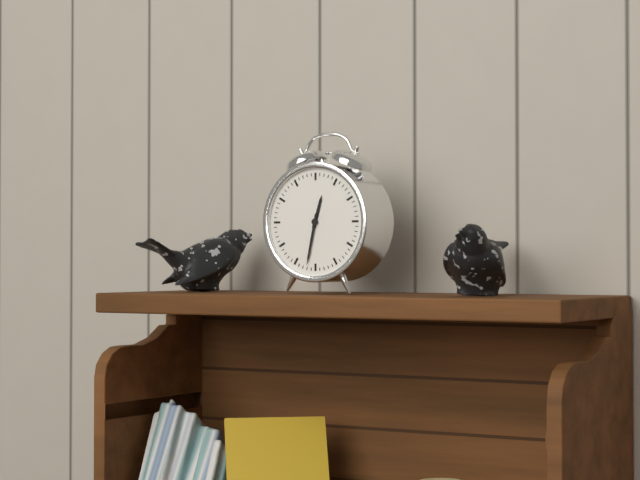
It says 12 h 32 min
